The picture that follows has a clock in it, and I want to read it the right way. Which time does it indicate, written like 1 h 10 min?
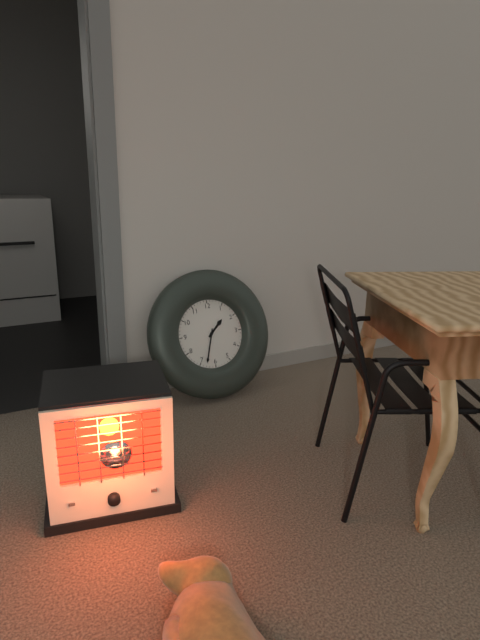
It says 1 h 33 min
